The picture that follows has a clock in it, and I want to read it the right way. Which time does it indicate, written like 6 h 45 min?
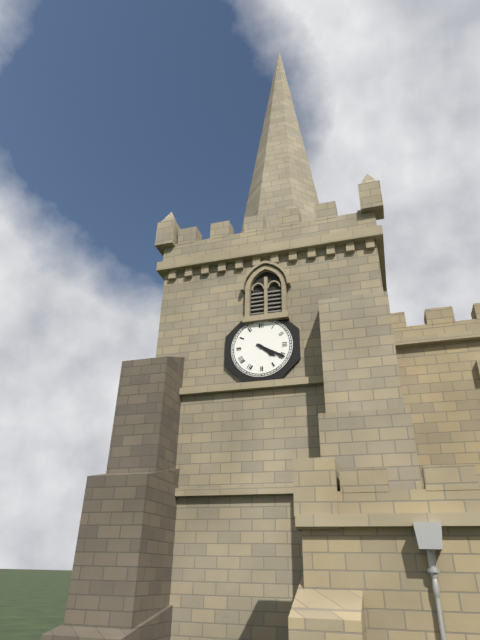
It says 4 h 20 min
